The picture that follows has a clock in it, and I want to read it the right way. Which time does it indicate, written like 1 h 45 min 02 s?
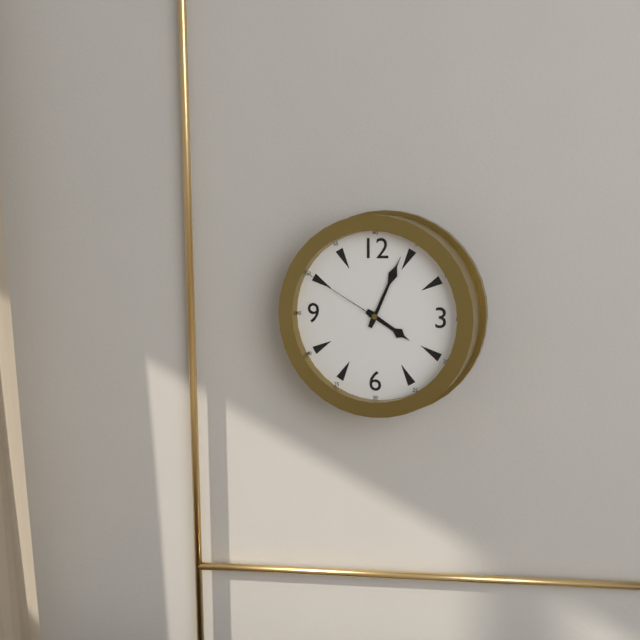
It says 4 h 04 min 50 s
